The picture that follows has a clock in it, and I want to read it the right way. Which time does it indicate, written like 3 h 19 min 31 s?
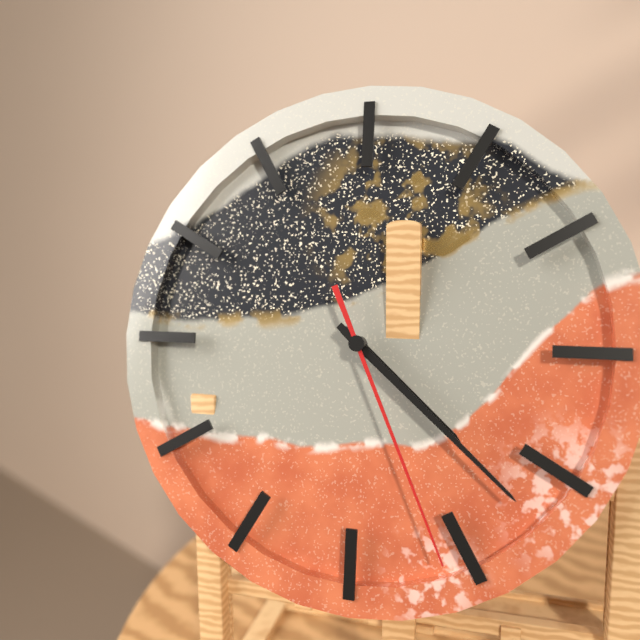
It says 4 h 22 min 26 s
